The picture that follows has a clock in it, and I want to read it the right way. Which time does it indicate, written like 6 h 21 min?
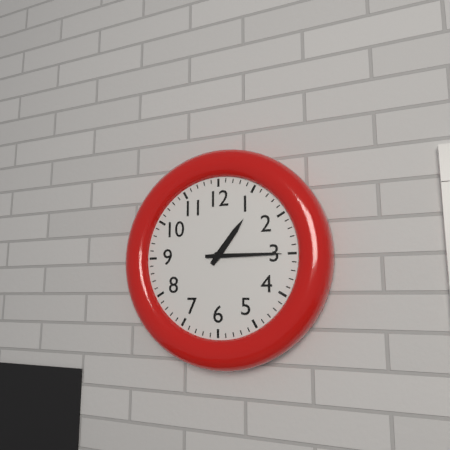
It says 1 h 15 min
